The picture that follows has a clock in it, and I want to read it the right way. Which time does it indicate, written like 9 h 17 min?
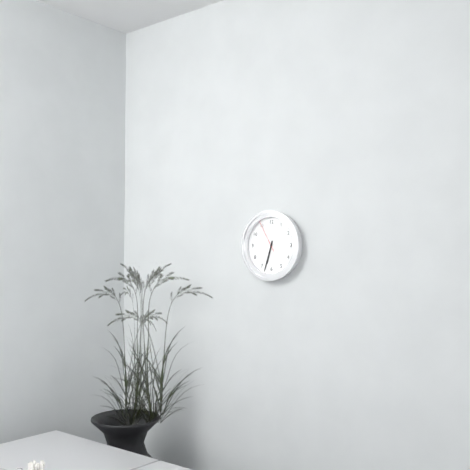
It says 6 h 33 min
